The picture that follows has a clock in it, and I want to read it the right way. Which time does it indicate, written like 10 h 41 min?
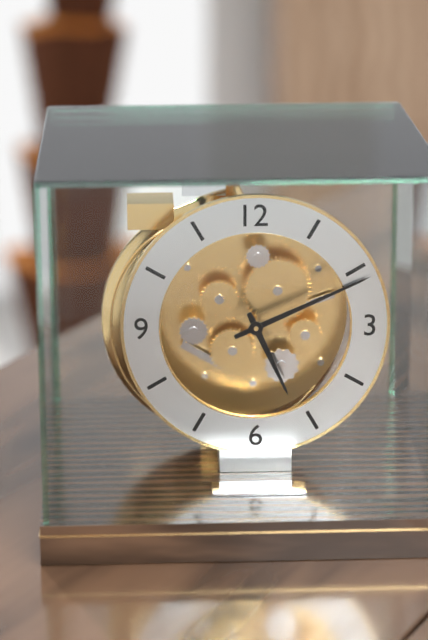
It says 5 h 11 min
